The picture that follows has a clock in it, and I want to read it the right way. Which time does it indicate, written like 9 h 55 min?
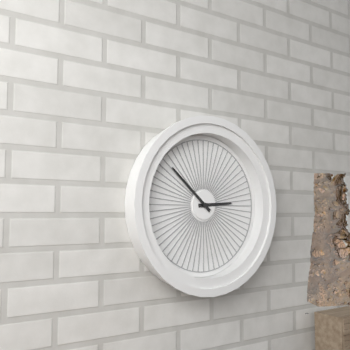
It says 2 h 52 min
